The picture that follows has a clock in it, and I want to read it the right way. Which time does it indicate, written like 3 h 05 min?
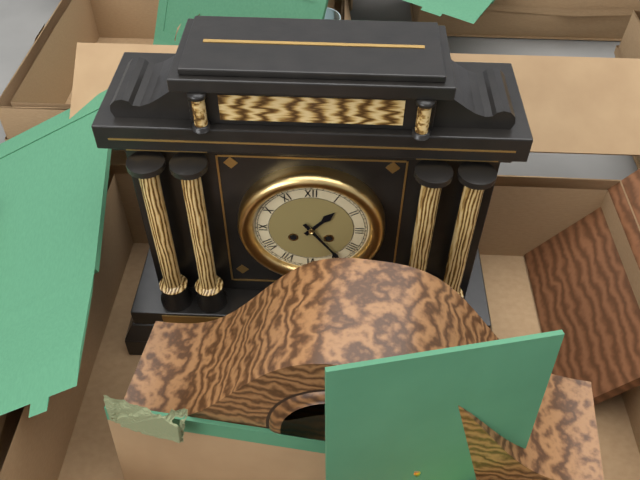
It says 1 h 24 min
